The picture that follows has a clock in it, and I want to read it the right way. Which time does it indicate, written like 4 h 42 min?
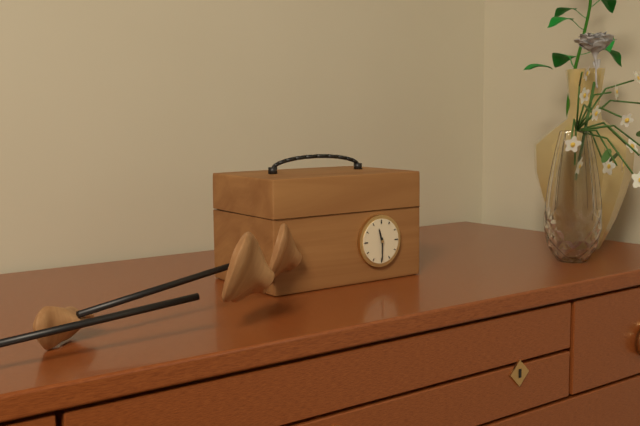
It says 11 h 30 min
